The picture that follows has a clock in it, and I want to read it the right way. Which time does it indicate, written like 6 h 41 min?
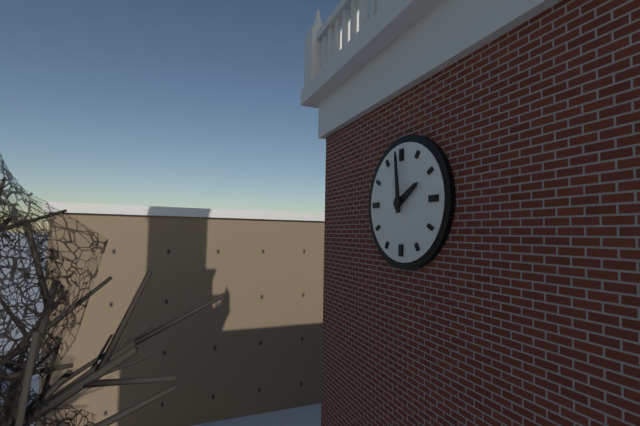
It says 1 h 59 min
